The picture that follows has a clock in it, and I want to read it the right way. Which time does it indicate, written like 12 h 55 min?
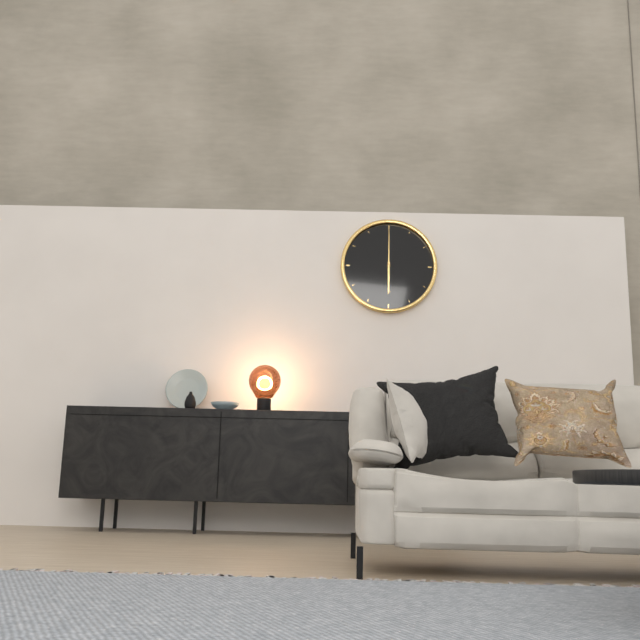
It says 6 h 00 min
